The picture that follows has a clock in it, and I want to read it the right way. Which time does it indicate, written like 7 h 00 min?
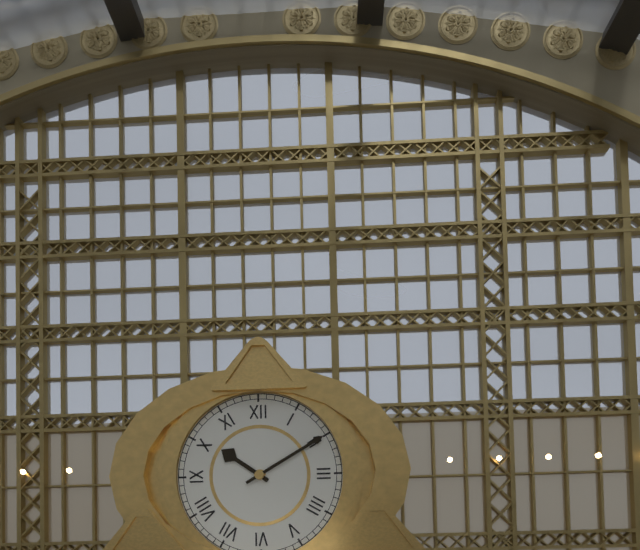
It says 10 h 10 min
